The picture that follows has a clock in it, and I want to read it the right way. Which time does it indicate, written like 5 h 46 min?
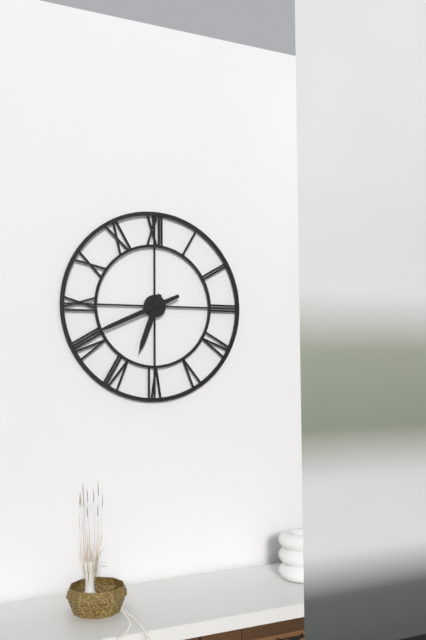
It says 6 h 41 min
